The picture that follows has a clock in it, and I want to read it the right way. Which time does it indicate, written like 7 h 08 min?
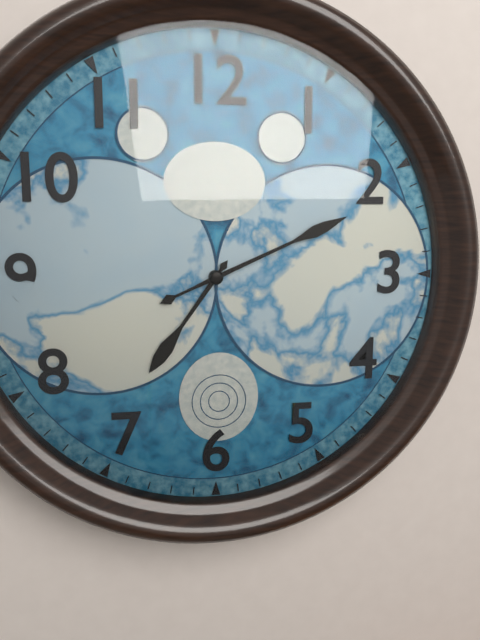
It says 7 h 11 min
